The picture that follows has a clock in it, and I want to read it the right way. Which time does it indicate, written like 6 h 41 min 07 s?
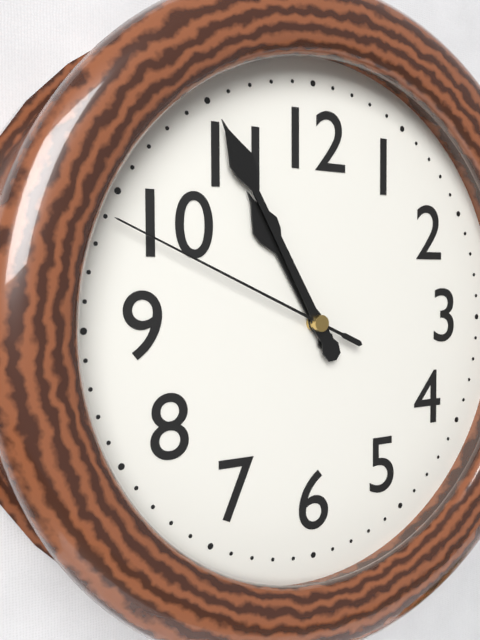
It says 10 h 55 min 49 s
